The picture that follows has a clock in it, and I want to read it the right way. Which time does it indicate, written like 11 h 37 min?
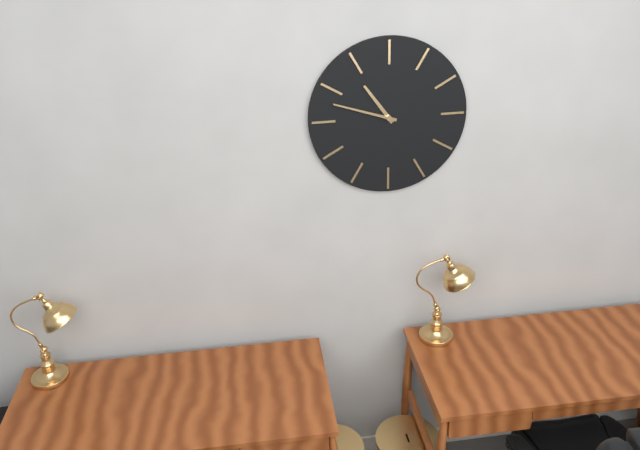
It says 10 h 48 min
